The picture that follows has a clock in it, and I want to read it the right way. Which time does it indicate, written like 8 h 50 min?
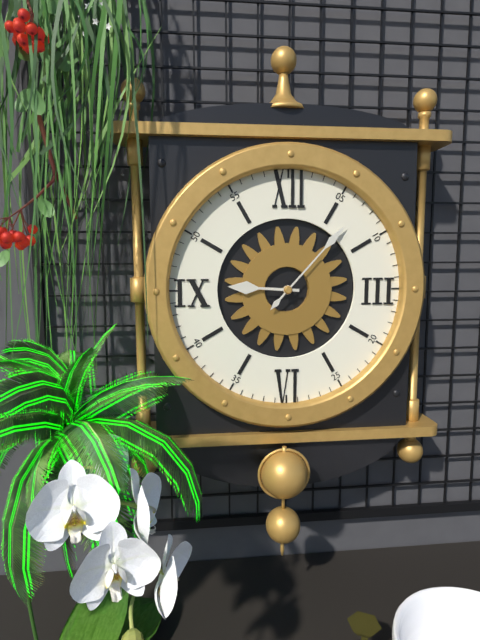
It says 9 h 07 min
